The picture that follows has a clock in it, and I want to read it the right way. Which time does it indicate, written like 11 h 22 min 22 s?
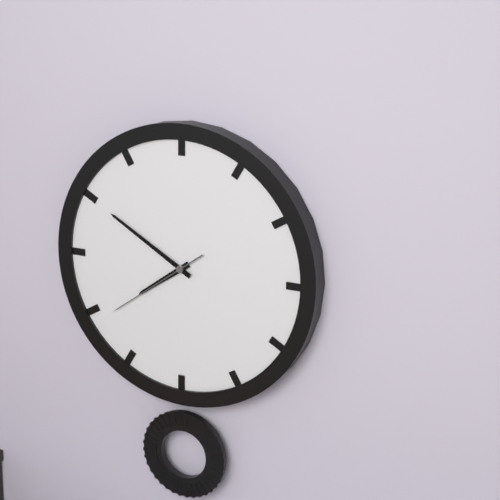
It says 7 h 50 min 39 s
